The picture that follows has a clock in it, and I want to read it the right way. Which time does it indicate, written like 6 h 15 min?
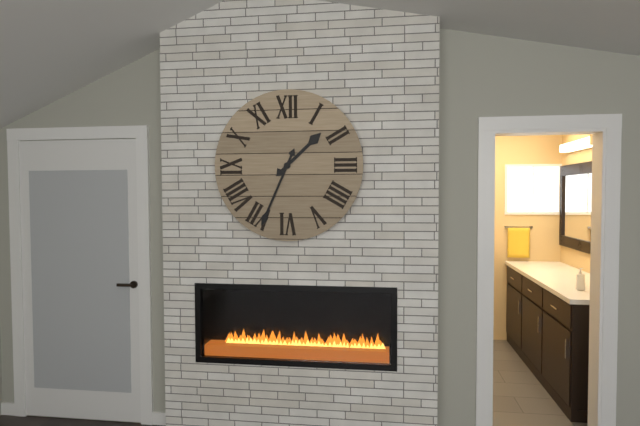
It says 1 h 34 min
